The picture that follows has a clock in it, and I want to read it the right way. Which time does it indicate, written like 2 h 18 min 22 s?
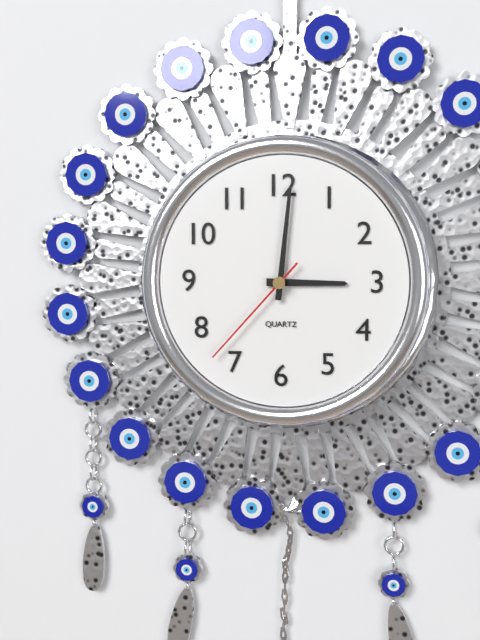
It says 3 h 01 min 37 s
